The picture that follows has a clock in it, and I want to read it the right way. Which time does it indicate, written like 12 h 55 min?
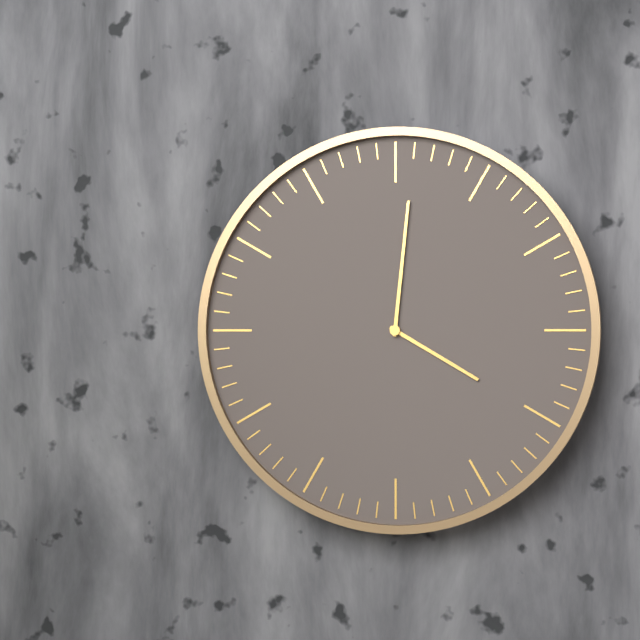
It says 4 h 01 min
